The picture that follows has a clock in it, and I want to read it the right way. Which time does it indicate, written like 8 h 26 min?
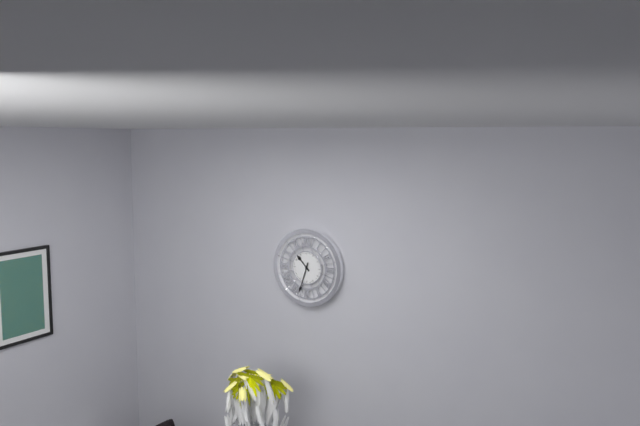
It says 10 h 33 min
